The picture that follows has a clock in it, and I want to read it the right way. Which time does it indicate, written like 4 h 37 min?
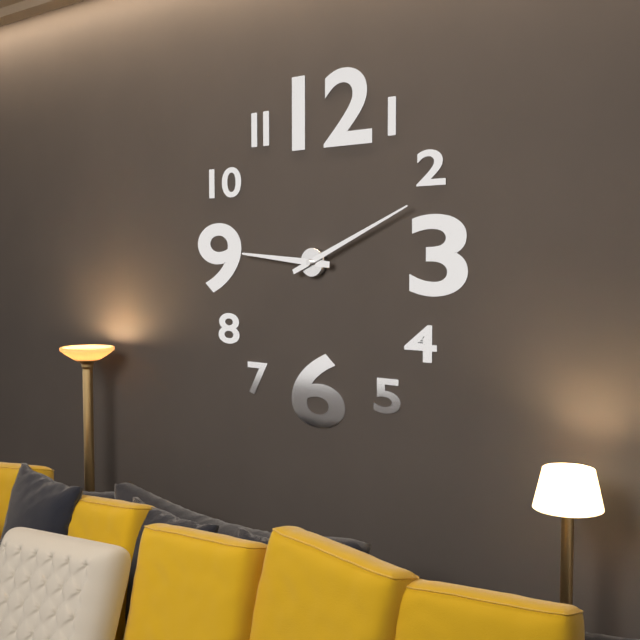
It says 9 h 11 min
